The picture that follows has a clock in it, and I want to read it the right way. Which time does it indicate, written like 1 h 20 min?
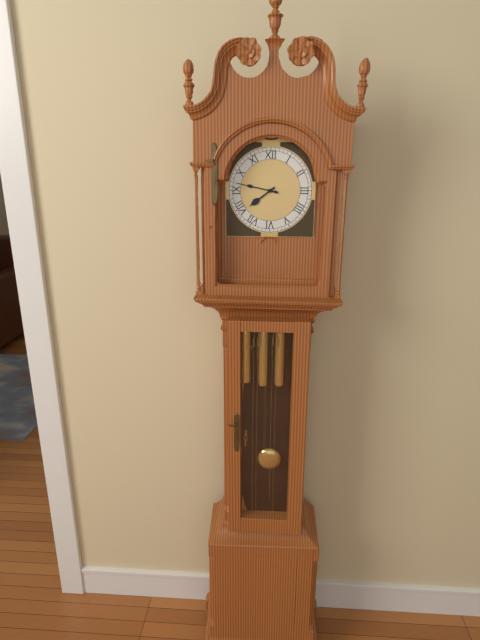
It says 7 h 47 min
